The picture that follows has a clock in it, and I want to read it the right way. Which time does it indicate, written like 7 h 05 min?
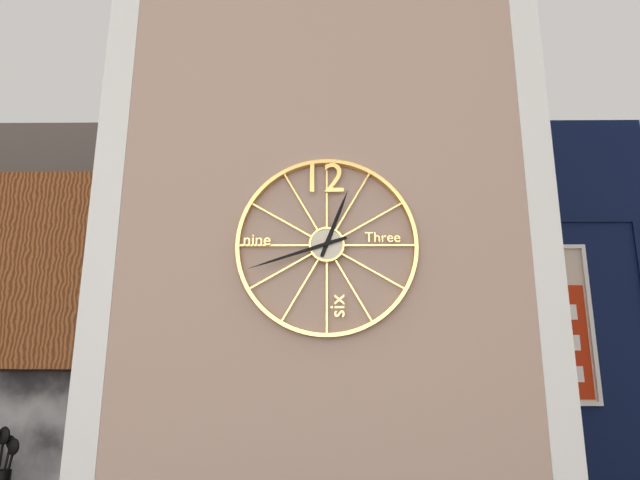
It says 12 h 42 min
